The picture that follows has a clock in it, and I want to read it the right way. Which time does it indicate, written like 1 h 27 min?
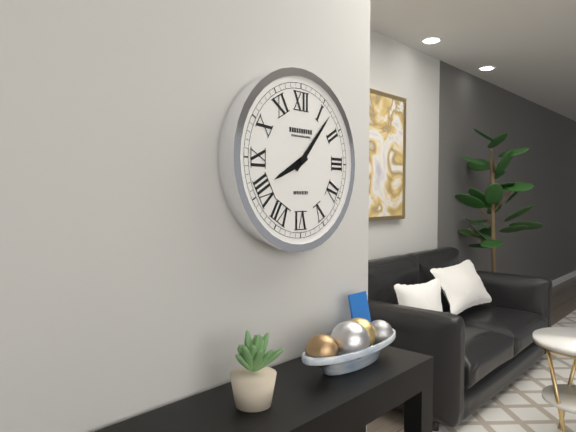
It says 8 h 07 min
